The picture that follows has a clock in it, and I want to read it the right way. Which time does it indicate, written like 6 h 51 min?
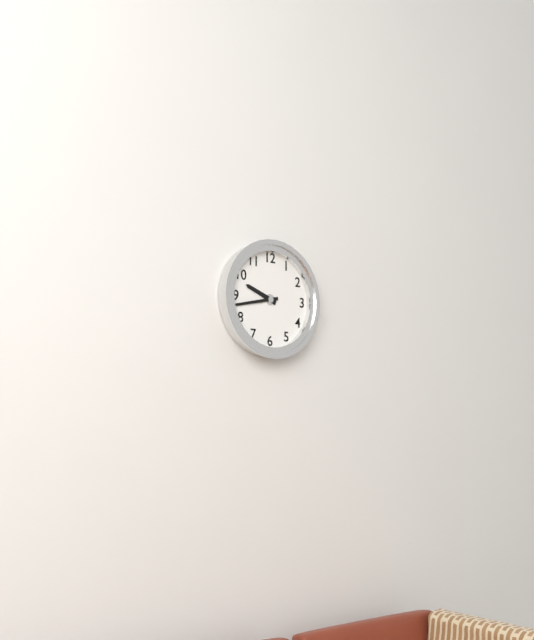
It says 9 h 43 min
